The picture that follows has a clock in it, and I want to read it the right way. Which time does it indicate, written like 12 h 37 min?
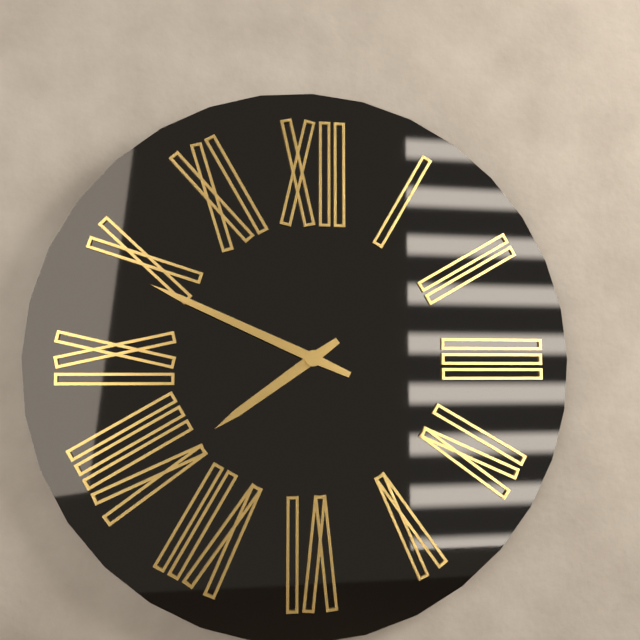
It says 7 h 49 min
